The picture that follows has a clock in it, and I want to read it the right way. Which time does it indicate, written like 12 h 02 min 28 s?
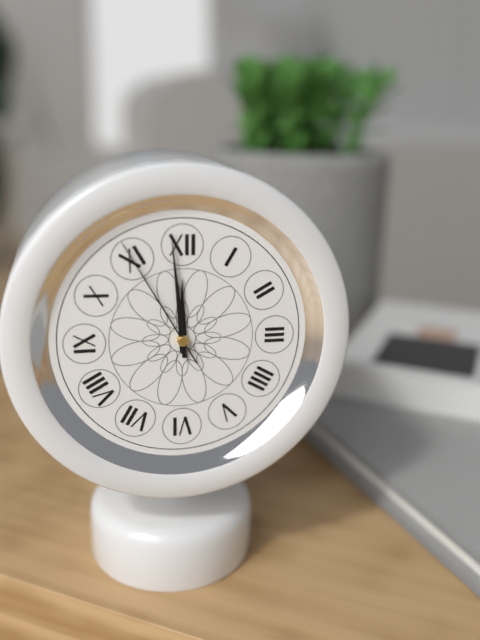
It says 11 h 59 min 55 s
